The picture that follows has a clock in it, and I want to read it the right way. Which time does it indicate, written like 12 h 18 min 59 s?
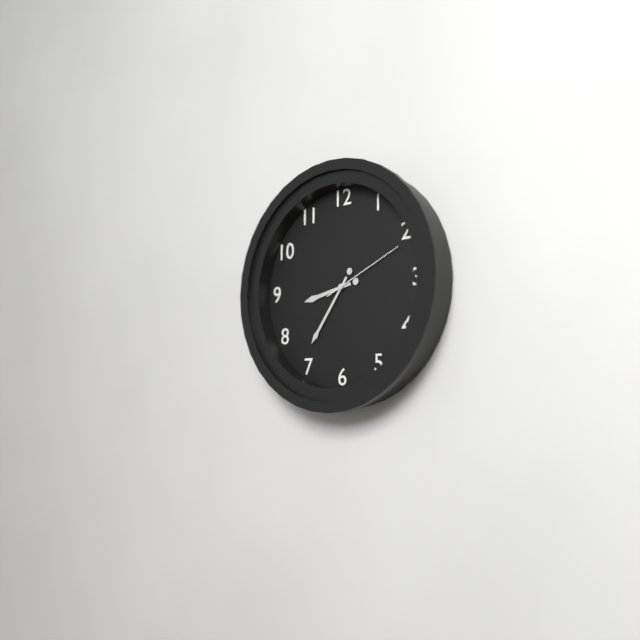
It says 8 h 36 min 11 s
